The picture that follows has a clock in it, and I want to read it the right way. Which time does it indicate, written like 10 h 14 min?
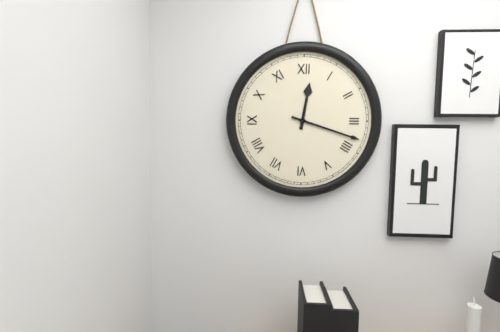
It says 12 h 18 min
